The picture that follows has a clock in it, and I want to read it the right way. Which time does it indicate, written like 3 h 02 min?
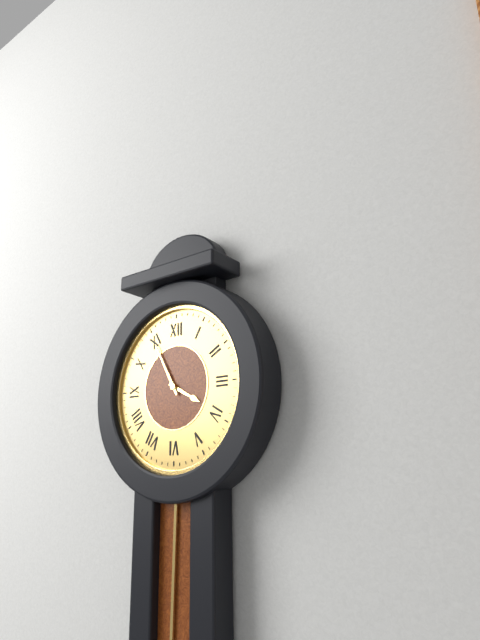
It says 3 h 55 min
